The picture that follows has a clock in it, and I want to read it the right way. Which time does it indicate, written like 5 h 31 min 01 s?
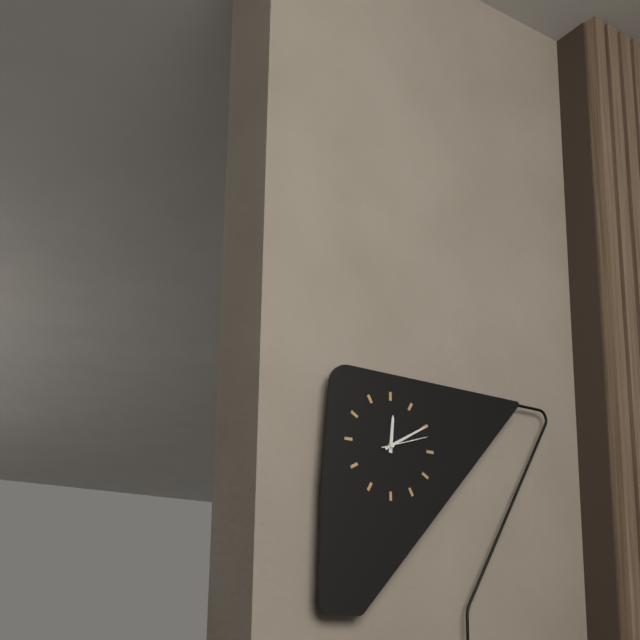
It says 12 h 10 min 12 s
